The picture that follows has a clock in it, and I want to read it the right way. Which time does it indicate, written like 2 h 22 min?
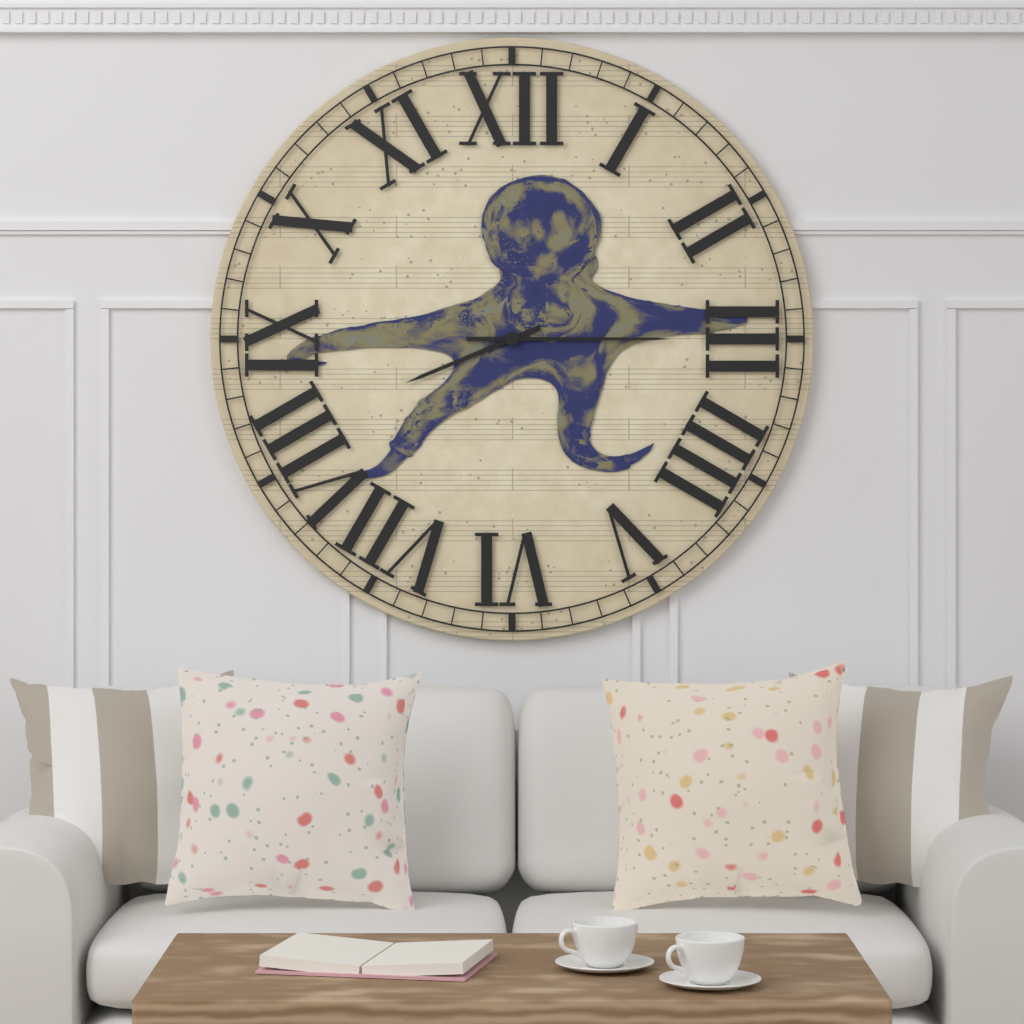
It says 8 h 15 min
